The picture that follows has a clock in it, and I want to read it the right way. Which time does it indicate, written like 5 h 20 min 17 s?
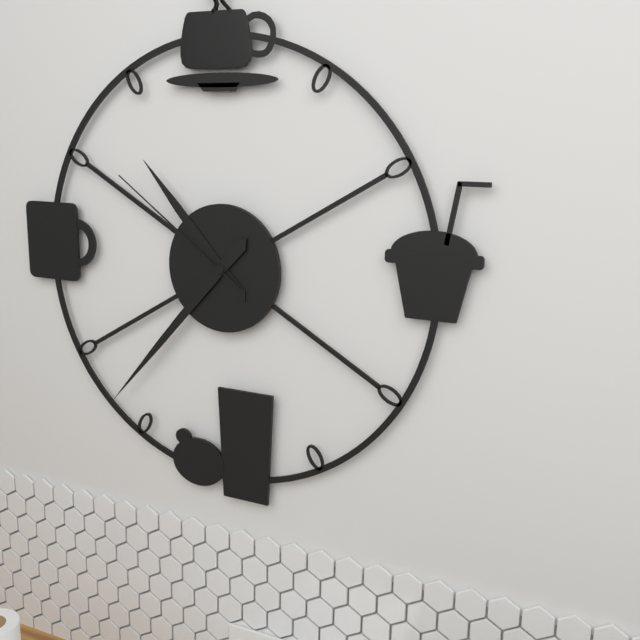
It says 10 h 37 min 51 s
